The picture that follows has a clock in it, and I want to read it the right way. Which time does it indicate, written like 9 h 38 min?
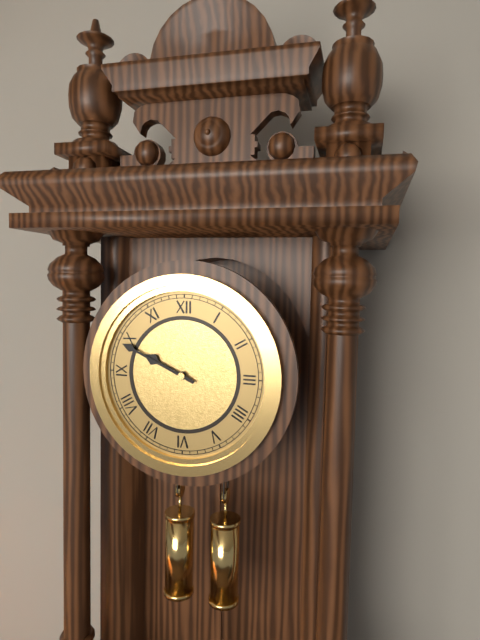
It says 9 h 49 min
